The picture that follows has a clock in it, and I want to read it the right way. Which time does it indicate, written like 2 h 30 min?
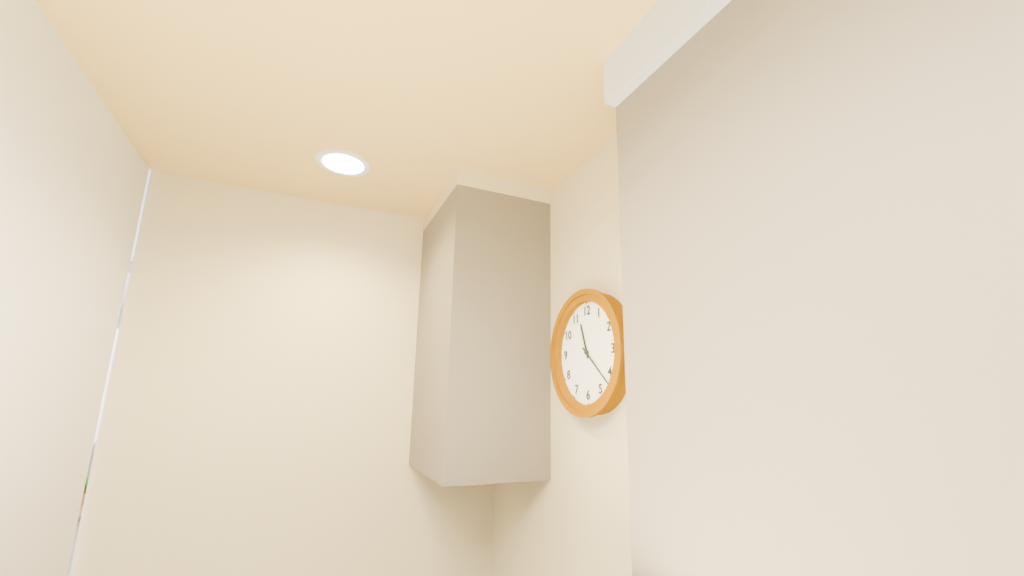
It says 11 h 22 min
